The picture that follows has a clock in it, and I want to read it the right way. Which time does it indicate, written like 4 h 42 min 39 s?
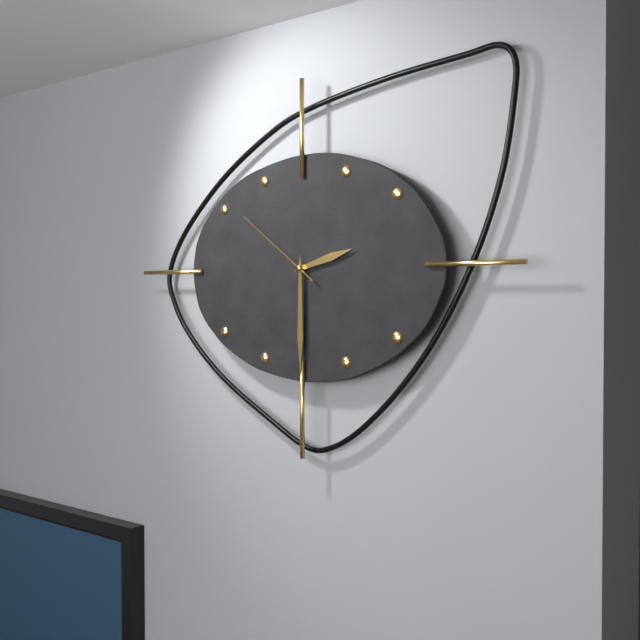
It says 2 h 30 min 51 s
